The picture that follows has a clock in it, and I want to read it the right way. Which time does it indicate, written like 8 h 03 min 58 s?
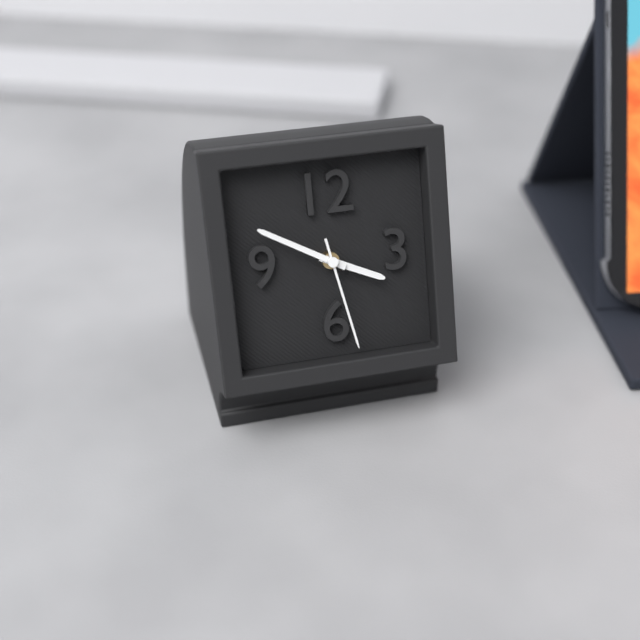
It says 3 h 50 min 28 s
